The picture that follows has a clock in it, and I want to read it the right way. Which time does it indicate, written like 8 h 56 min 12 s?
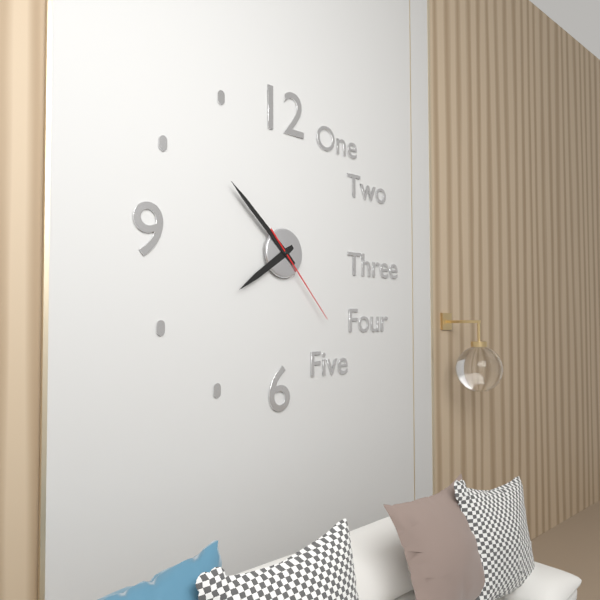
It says 7 h 52 min 23 s
